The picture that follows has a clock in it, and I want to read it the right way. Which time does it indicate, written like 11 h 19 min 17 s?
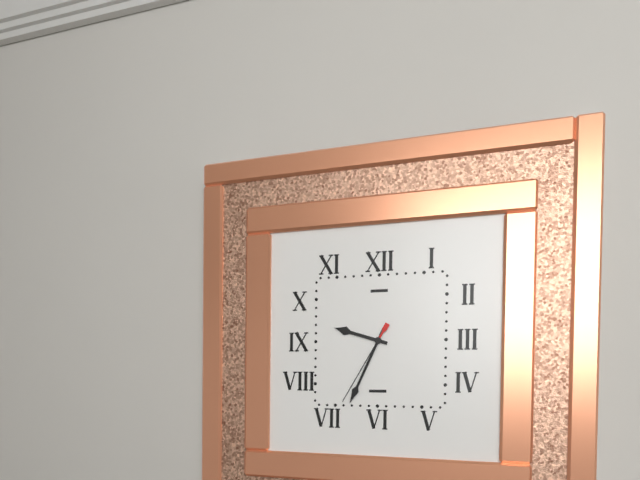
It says 9 h 34 min 35 s
